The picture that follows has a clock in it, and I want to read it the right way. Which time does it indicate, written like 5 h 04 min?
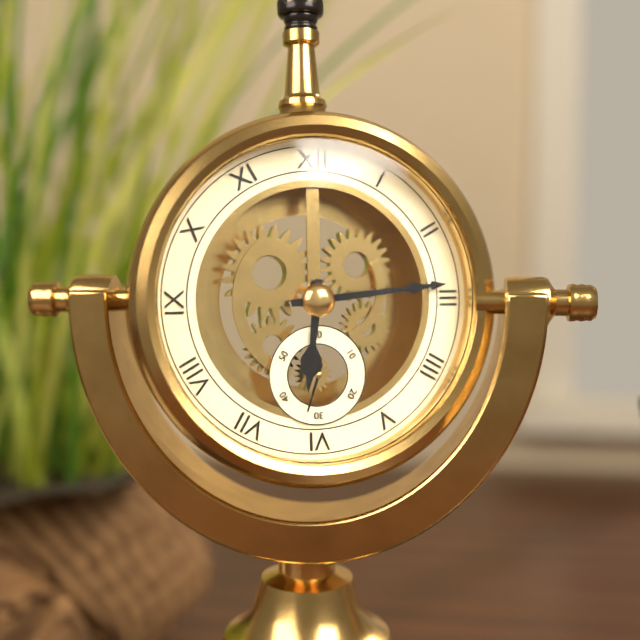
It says 6 h 14 min
